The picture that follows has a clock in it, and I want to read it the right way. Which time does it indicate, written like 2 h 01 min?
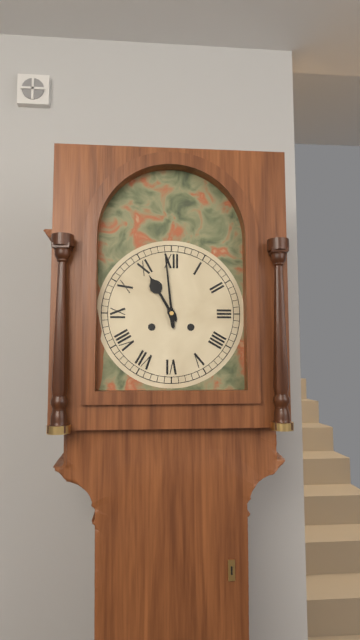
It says 10 h 59 min
